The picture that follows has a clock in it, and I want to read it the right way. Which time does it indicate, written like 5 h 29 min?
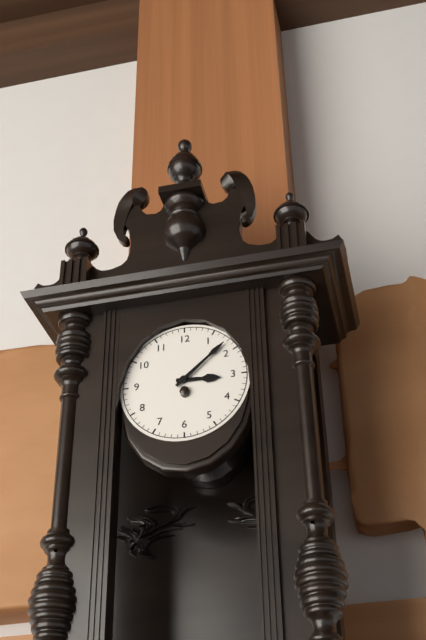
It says 3 h 08 min
